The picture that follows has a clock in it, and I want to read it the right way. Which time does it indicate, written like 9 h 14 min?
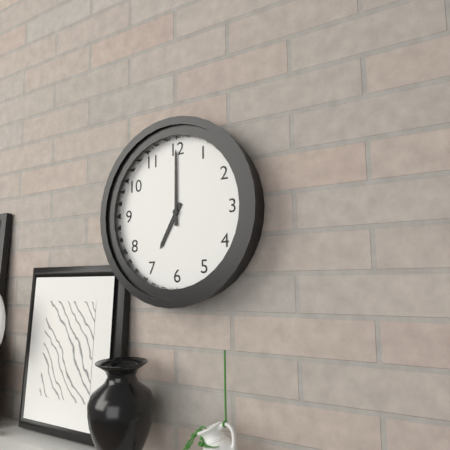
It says 7 h 00 min
